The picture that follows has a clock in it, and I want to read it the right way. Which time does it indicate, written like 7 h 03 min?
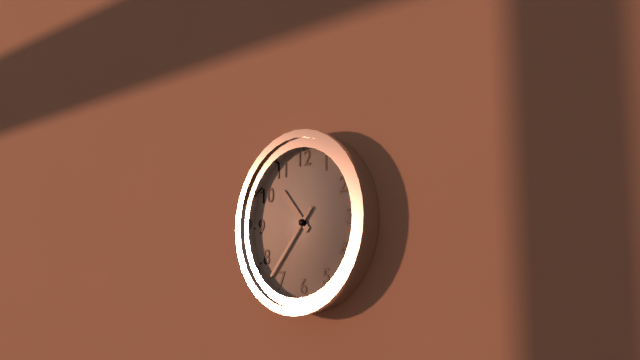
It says 10 h 37 min
